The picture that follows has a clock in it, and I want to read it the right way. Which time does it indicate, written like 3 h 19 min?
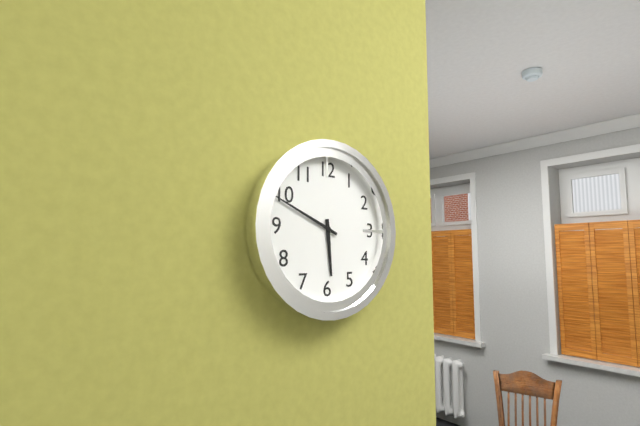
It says 5 h 49 min
